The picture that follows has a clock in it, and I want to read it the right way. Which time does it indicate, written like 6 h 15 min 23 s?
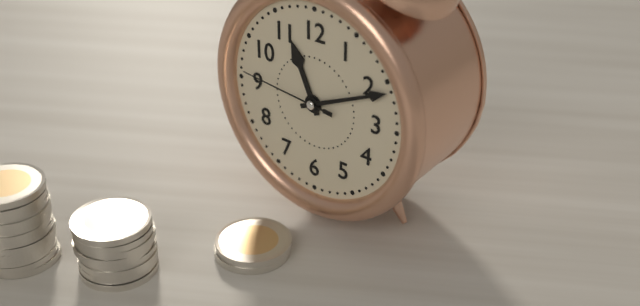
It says 11 h 11 min 46 s
